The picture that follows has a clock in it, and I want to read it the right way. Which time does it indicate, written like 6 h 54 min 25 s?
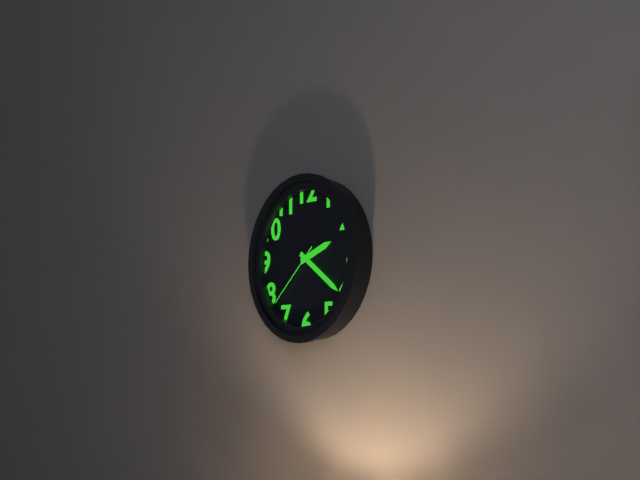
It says 2 h 21 min 38 s
